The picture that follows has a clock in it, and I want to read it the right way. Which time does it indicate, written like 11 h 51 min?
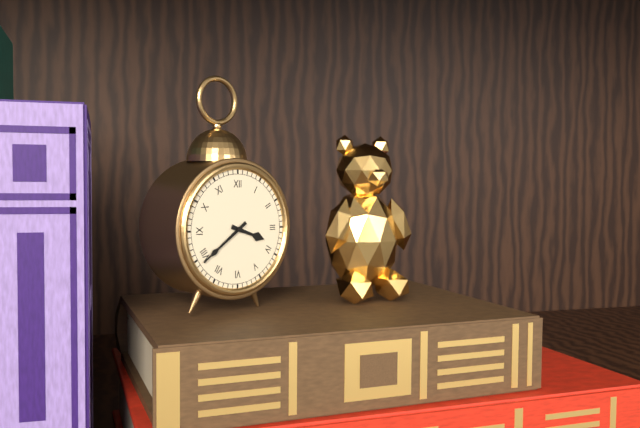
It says 3 h 39 min
